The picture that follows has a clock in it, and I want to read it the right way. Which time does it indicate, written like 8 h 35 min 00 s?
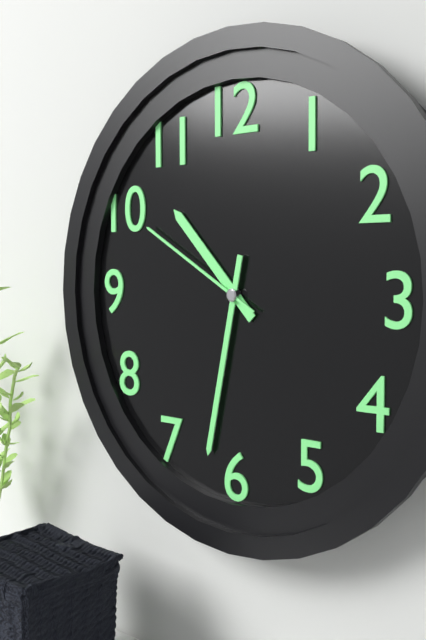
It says 10 h 32 min 50 s
